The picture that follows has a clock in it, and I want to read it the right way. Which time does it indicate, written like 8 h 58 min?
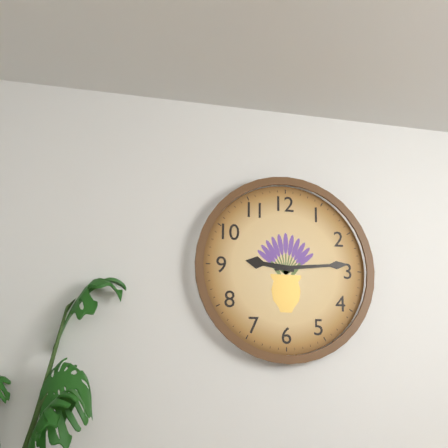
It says 9 h 14 min
